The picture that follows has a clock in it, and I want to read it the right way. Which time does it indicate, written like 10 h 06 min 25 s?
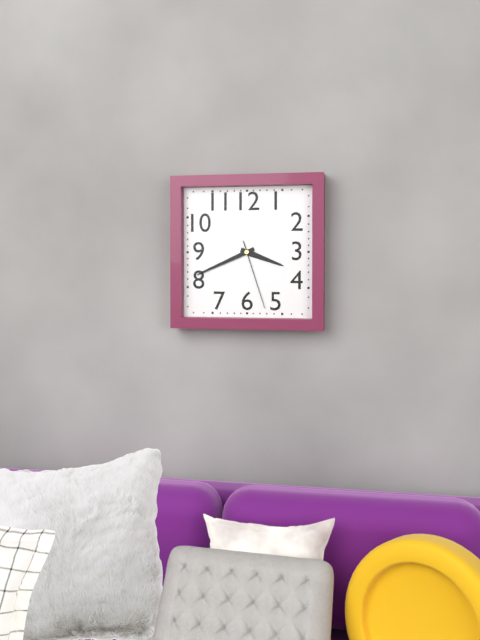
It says 3 h 41 min 27 s
